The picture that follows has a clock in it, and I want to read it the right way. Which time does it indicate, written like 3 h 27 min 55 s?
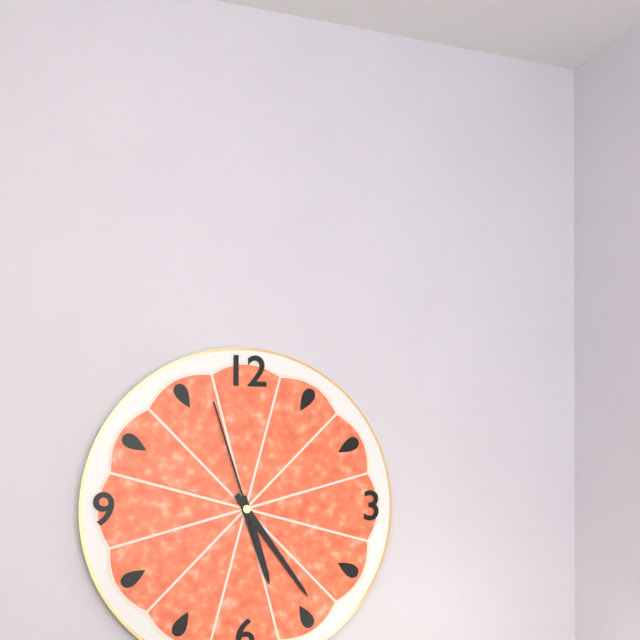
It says 5 h 24 min 57 s
